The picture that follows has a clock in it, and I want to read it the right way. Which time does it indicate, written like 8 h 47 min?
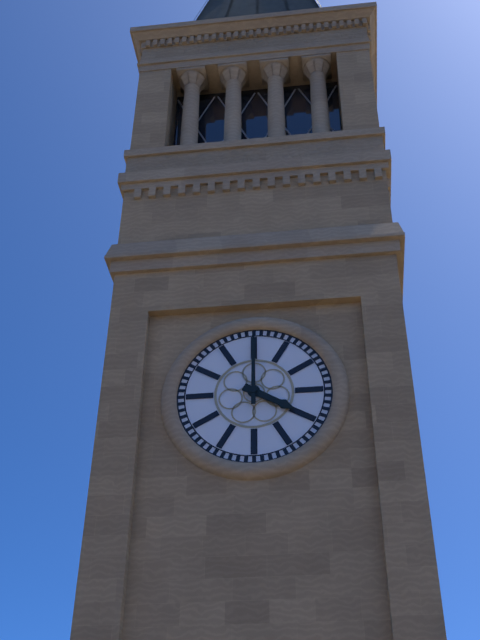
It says 4 h 00 min
